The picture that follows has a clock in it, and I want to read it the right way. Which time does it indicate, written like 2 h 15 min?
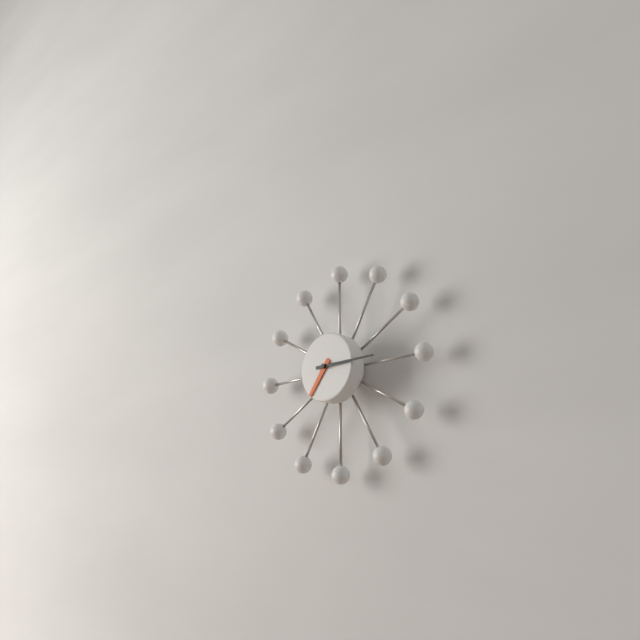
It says 7 h 15 min
